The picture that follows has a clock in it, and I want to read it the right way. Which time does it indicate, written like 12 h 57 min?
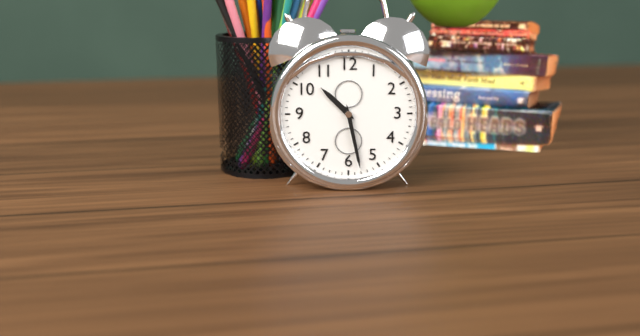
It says 10 h 28 min
